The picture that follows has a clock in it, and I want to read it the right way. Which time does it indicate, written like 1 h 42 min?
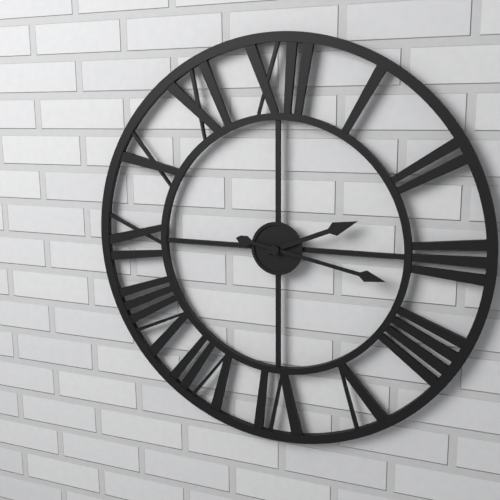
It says 2 h 17 min
